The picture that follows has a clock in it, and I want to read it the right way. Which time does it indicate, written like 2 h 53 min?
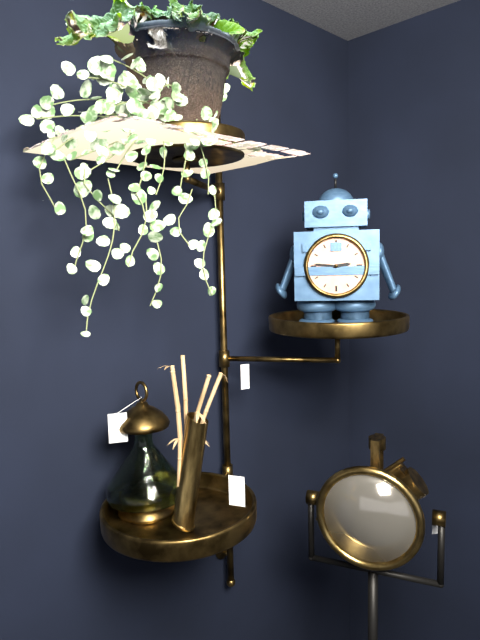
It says 2 h 46 min
